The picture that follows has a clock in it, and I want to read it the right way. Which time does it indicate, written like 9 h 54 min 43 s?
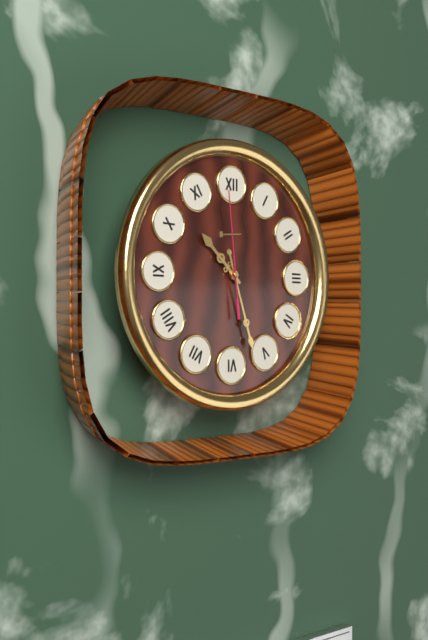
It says 10 h 27 min 59 s
